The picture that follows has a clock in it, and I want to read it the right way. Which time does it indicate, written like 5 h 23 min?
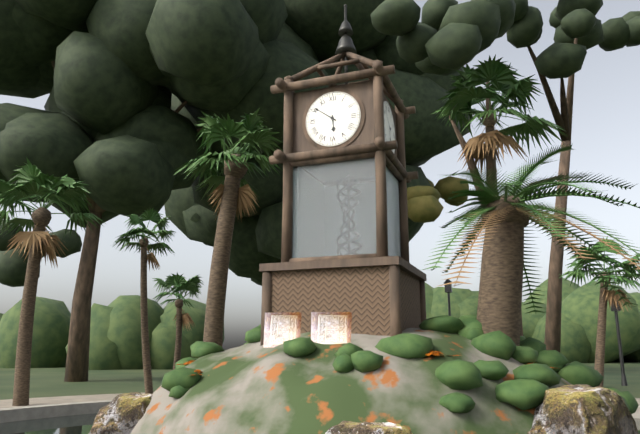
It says 5 h 51 min
